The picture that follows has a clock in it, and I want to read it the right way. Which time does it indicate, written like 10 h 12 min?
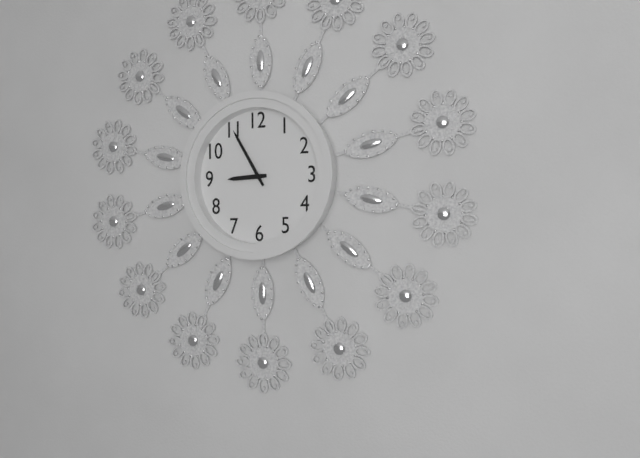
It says 8 h 55 min
